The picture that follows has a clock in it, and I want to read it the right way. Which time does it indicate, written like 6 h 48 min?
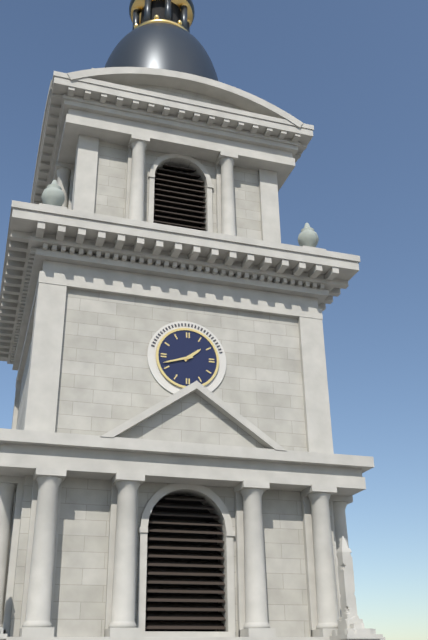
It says 1 h 42 min
